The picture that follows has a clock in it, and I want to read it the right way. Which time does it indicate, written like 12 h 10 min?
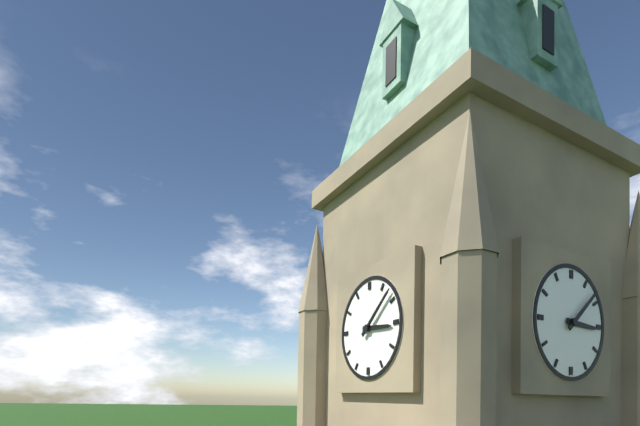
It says 3 h 08 min
